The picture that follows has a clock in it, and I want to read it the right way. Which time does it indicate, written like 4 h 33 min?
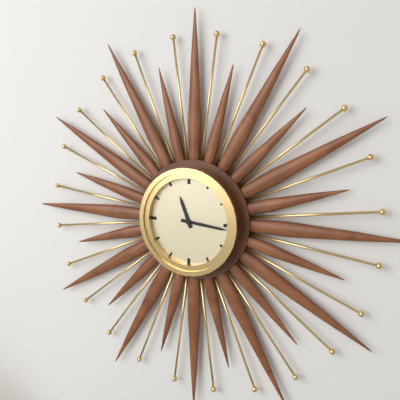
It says 11 h 16 min
